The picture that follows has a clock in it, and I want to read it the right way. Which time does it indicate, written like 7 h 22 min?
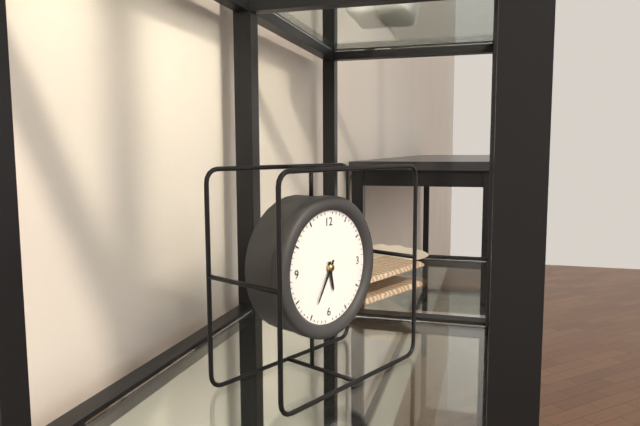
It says 5 h 35 min
